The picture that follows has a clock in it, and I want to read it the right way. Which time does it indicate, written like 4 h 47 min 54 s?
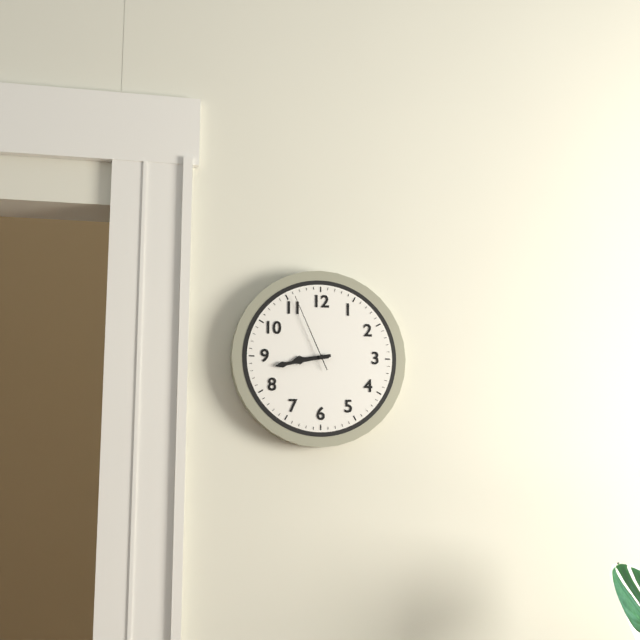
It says 8 h 43 min 56 s
